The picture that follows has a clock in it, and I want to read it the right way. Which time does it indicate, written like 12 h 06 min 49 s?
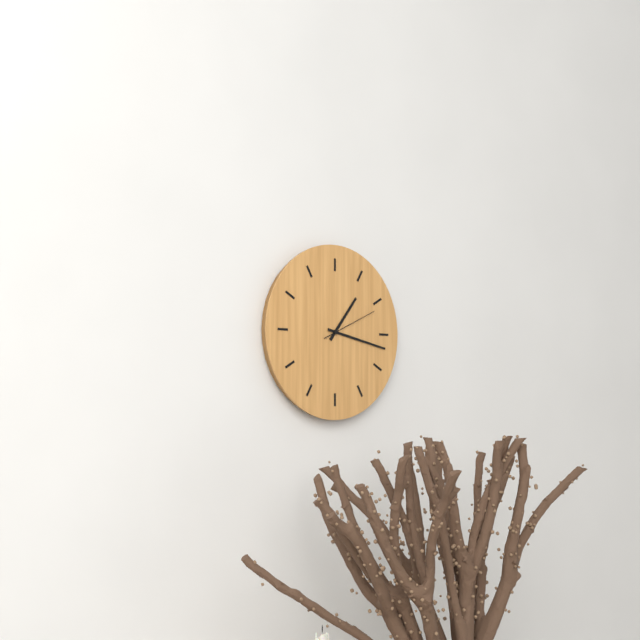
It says 1 h 17 min 11 s
